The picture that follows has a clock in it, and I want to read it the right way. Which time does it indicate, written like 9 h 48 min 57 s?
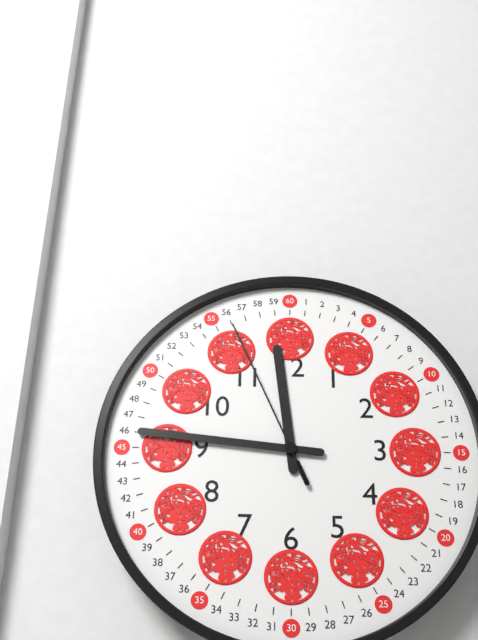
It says 11 h 46 min 56 s
